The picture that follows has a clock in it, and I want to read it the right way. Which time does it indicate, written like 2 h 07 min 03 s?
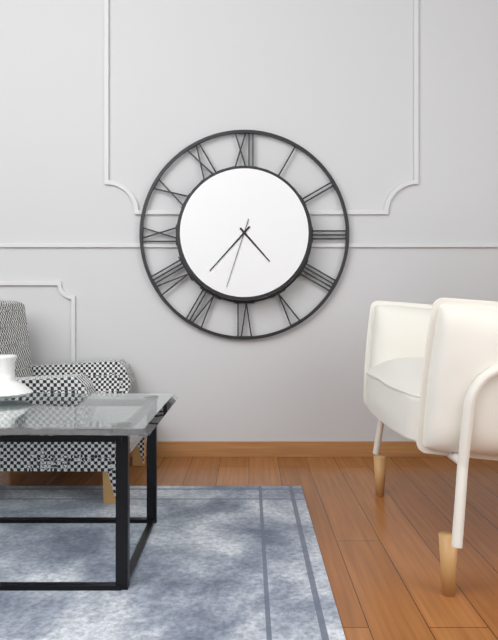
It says 4 h 37 min 33 s
